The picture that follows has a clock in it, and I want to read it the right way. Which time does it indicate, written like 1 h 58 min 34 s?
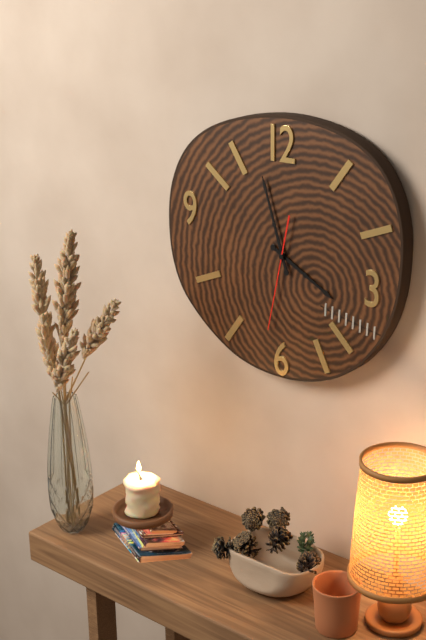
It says 3 h 57 min 32 s
